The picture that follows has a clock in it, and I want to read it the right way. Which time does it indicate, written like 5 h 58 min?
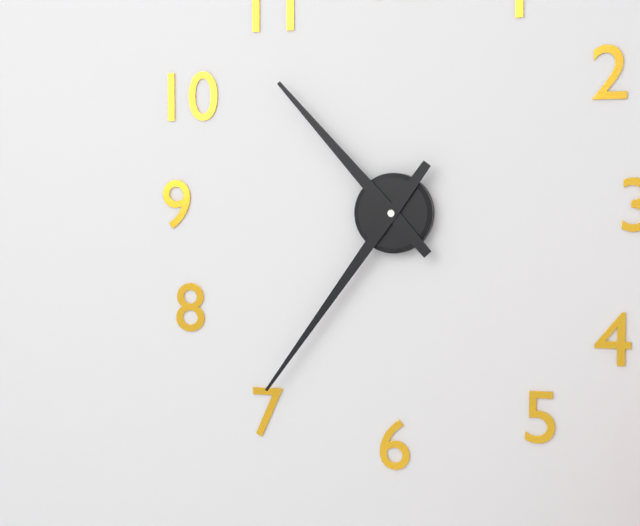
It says 10 h 36 min
